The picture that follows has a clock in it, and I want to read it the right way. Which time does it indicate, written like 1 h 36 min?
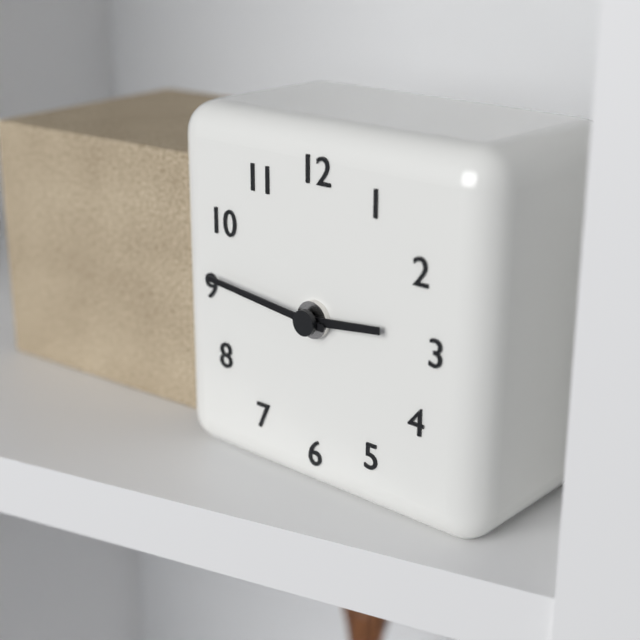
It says 2 h 46 min
